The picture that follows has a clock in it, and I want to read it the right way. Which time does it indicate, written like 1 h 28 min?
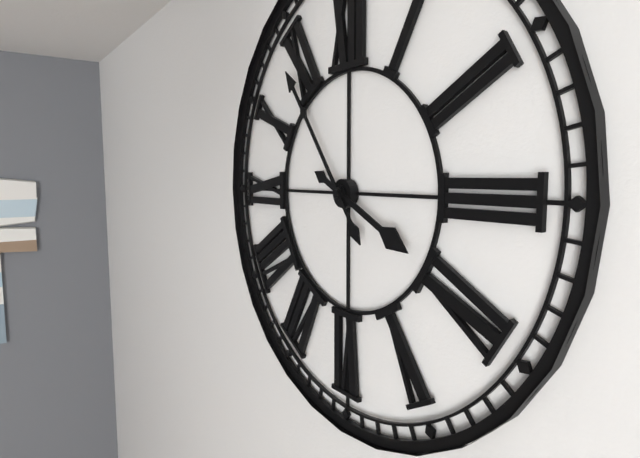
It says 3 h 54 min
